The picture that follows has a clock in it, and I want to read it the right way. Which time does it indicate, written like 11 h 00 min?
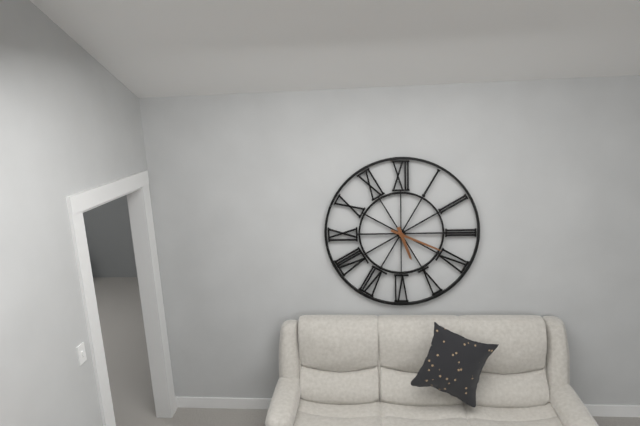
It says 5 h 19 min
